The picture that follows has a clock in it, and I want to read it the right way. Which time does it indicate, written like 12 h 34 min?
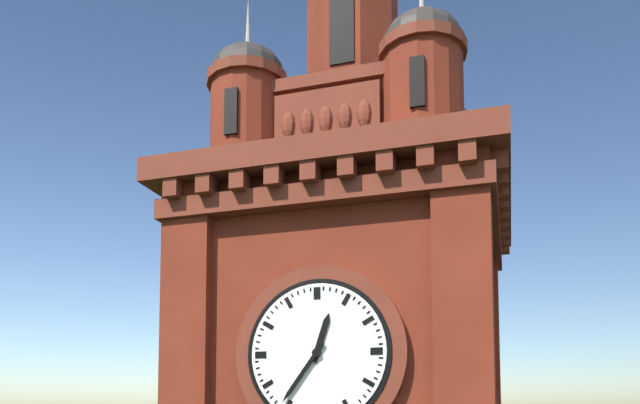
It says 12 h 36 min
